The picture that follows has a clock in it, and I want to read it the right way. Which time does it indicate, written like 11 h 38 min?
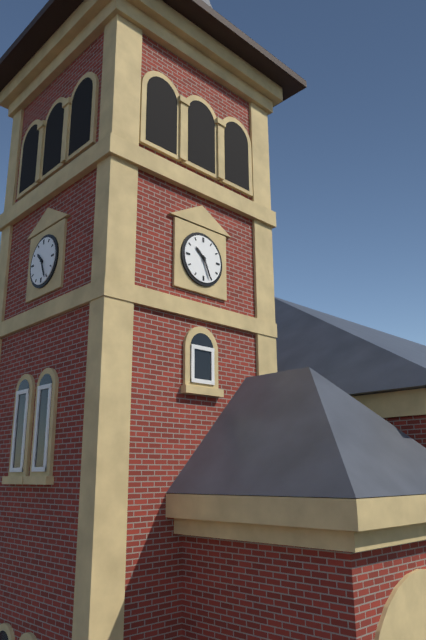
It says 10 h 26 min
